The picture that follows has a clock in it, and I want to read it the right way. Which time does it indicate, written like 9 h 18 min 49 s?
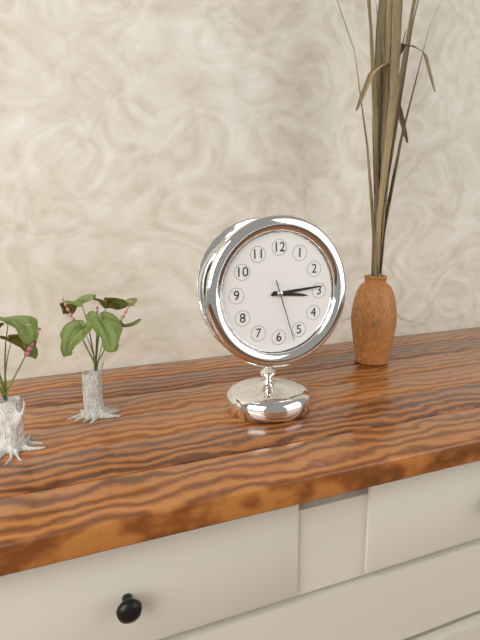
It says 3 h 14 min 27 s
